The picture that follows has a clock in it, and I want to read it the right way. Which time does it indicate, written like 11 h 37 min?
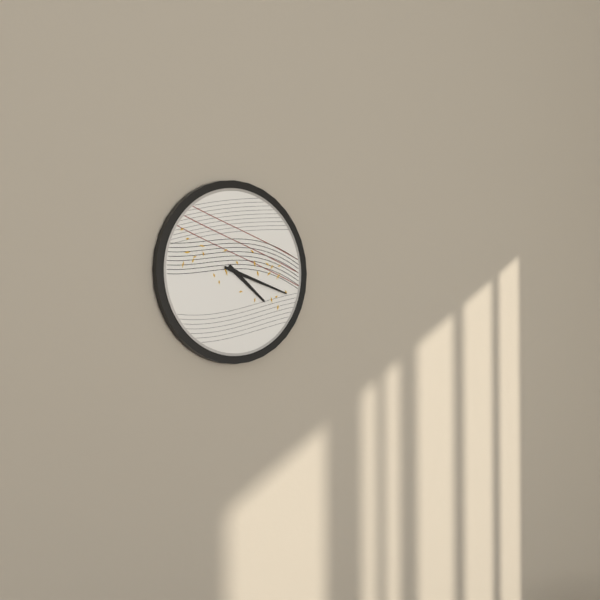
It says 4 h 18 min
